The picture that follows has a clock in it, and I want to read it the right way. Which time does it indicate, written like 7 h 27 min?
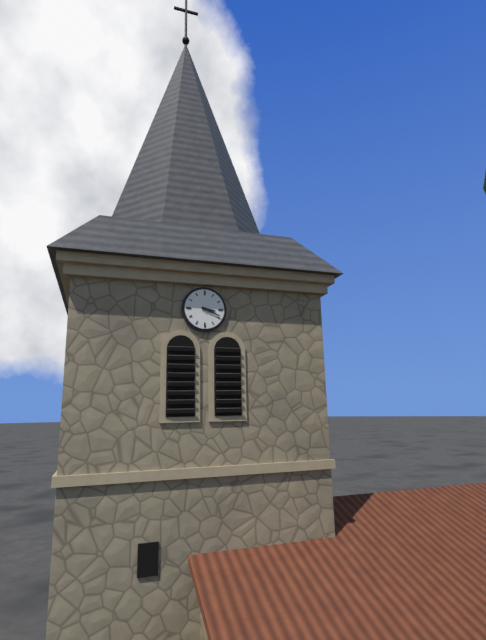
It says 3 h 19 min
